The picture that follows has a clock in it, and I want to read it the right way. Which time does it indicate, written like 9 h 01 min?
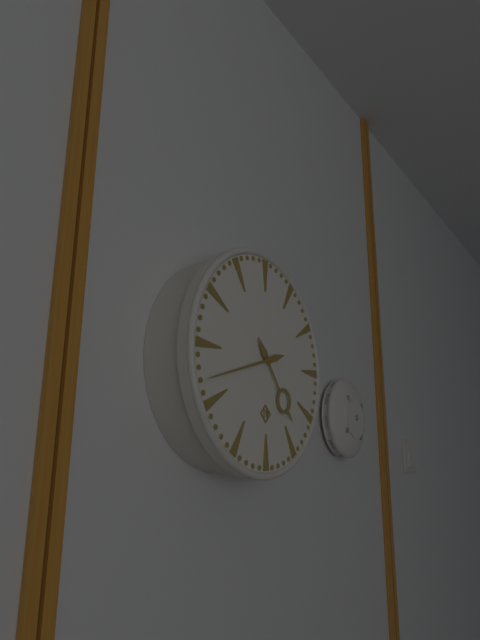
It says 4 h 42 min
